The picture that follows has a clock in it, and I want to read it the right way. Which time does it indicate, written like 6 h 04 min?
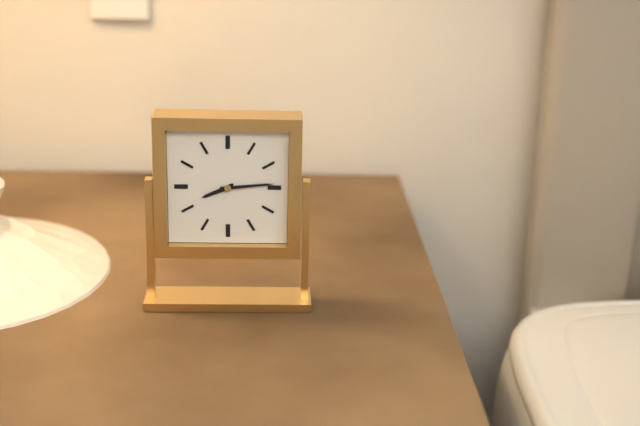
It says 8 h 14 min
